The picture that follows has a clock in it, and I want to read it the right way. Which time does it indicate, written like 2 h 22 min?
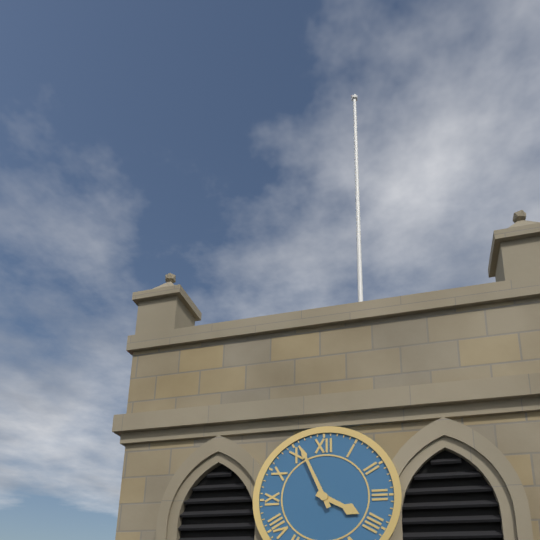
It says 3 h 56 min
